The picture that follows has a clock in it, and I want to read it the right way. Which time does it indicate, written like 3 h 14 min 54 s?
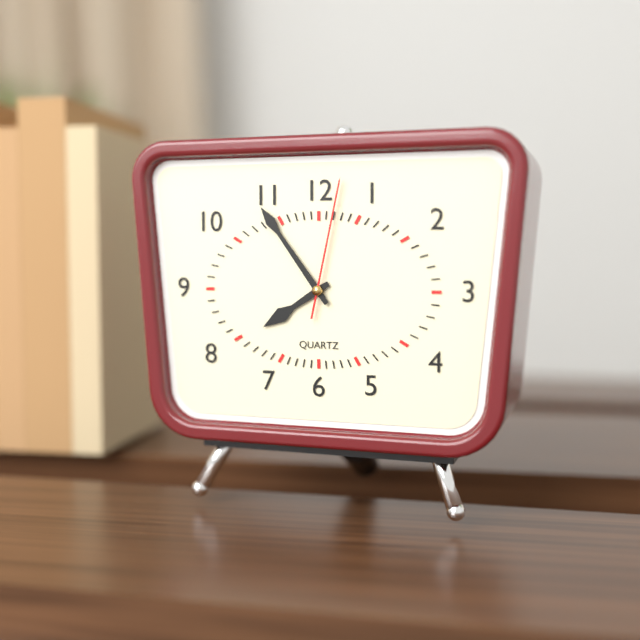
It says 7 h 54 min 02 s
